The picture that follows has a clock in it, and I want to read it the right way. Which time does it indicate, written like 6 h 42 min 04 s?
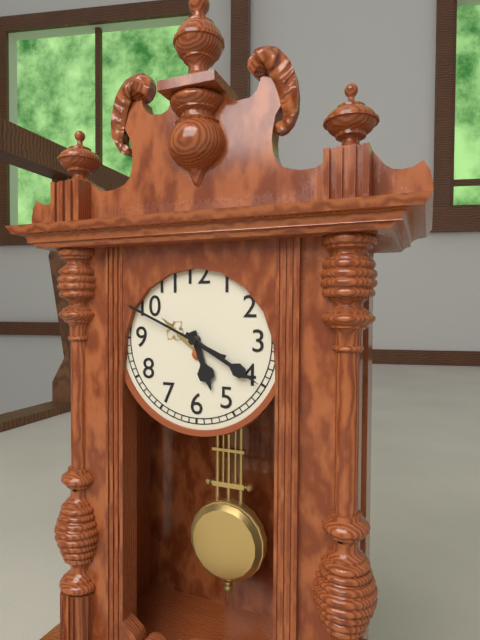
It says 5 h 20 min 49 s
